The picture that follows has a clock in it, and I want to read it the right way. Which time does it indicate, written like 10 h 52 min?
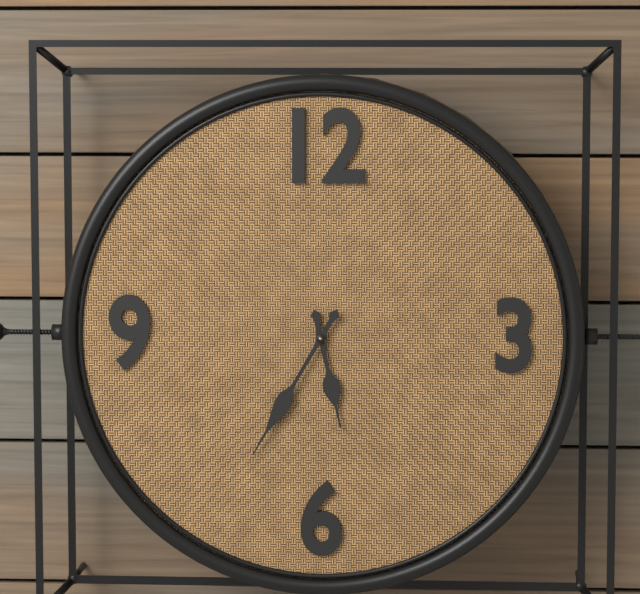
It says 5 h 35 min
